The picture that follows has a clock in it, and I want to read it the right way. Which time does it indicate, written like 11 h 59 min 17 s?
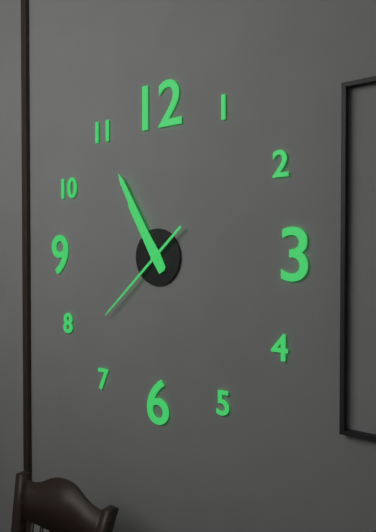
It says 10 h 55 min 38 s
